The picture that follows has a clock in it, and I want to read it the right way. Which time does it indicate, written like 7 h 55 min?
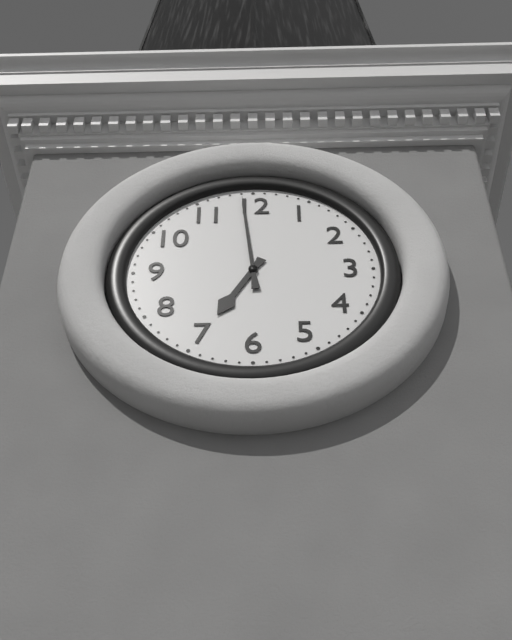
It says 6 h 59 min
